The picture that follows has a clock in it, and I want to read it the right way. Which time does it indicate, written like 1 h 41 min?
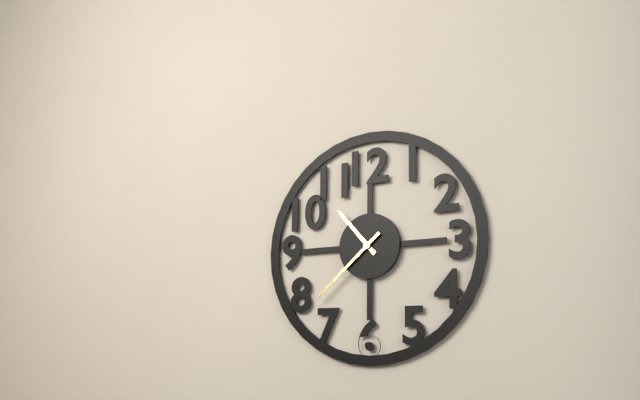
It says 10 h 38 min
